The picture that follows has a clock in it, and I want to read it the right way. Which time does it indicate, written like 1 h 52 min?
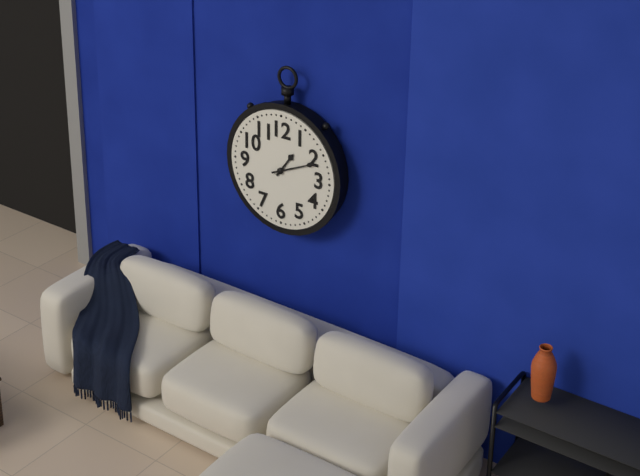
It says 1 h 11 min
